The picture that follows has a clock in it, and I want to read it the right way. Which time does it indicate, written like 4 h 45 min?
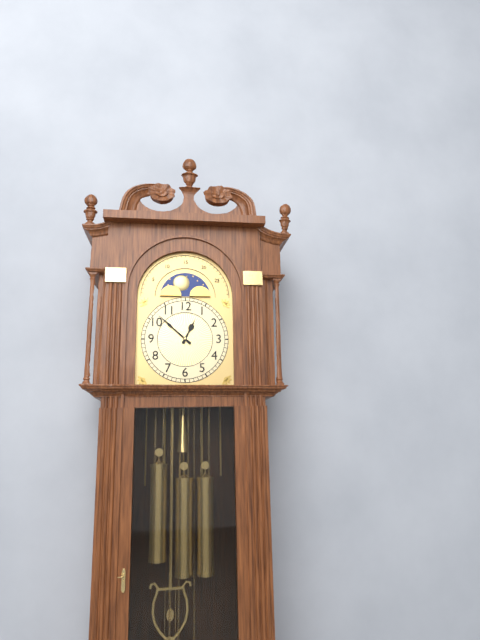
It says 12 h 52 min
